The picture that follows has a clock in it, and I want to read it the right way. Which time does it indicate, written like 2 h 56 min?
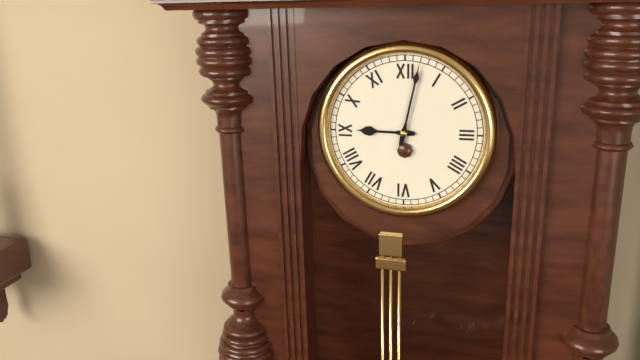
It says 9 h 02 min
